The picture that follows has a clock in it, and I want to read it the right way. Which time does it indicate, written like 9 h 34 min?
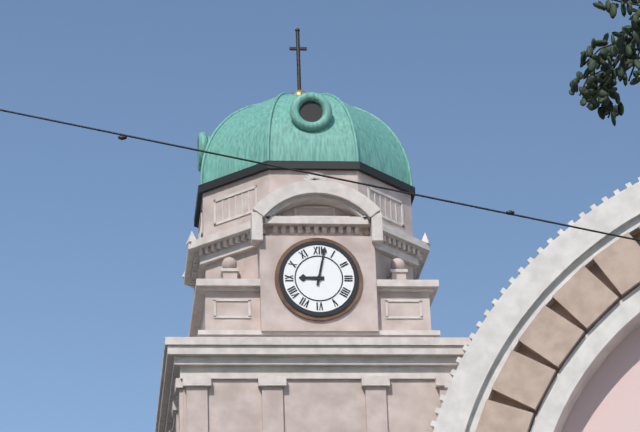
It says 9 h 02 min
